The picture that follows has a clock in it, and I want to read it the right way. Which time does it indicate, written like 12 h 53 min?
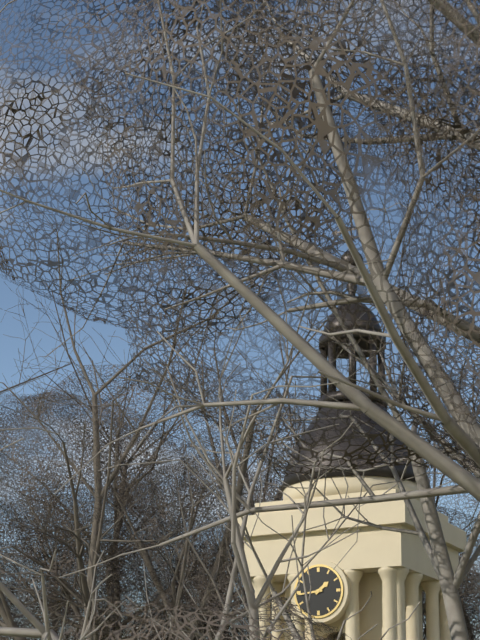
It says 1 h 44 min
